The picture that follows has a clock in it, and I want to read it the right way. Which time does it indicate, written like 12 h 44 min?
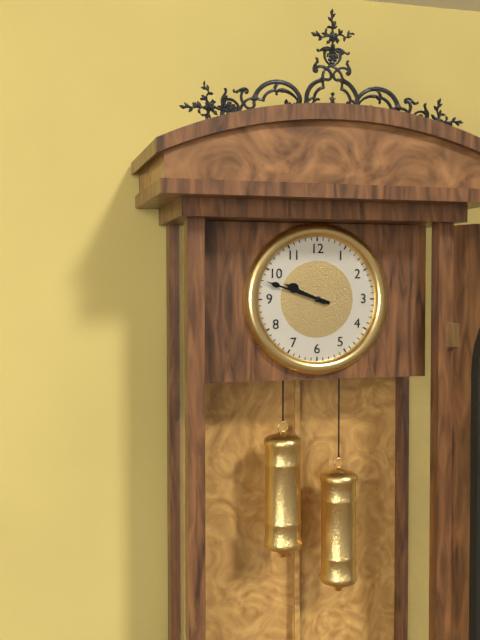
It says 9 h 48 min
